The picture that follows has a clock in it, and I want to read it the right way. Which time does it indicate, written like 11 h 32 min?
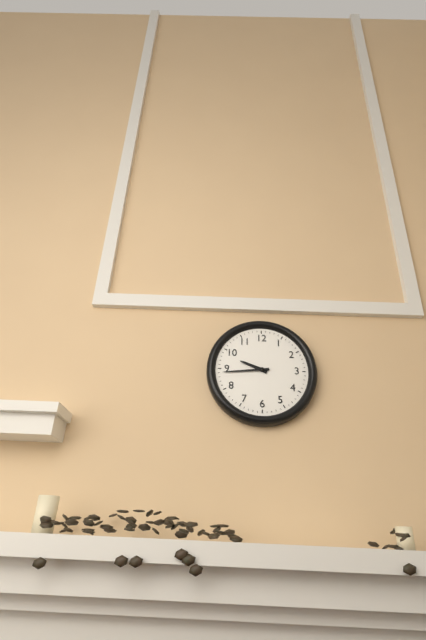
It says 9 h 44 min
